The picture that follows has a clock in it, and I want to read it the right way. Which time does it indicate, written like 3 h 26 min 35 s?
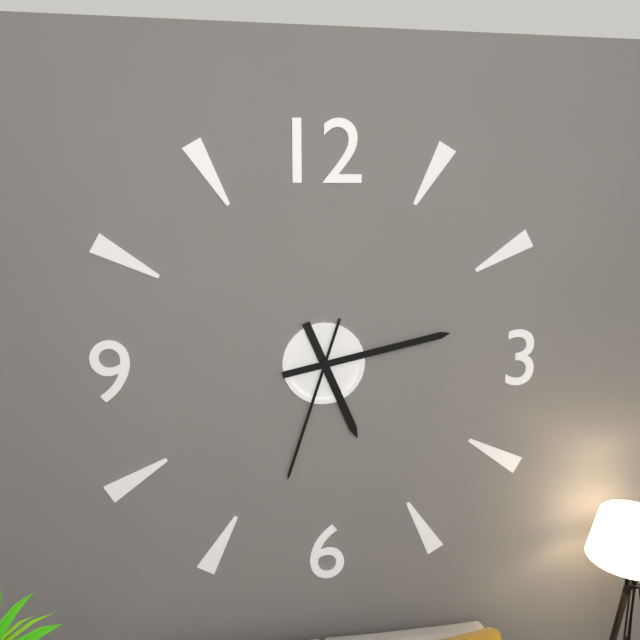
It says 5 h 13 min 33 s
